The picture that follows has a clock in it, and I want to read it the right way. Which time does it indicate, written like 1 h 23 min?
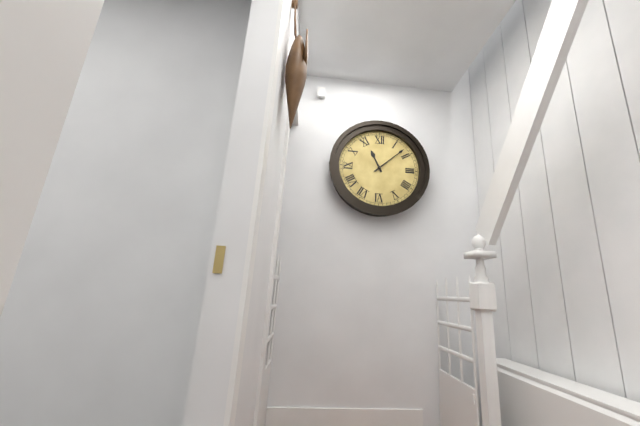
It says 11 h 08 min
